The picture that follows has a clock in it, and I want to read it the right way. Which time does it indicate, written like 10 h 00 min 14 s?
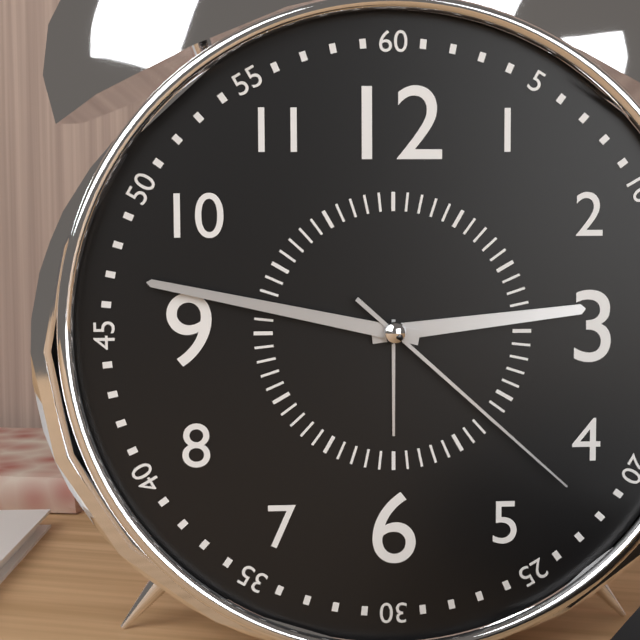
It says 2 h 47 min 22 s
